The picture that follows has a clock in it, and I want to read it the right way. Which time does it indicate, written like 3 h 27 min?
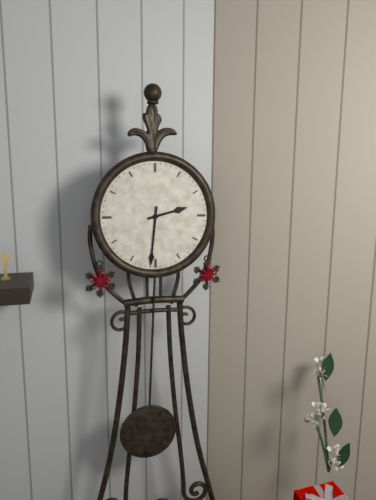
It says 2 h 31 min
